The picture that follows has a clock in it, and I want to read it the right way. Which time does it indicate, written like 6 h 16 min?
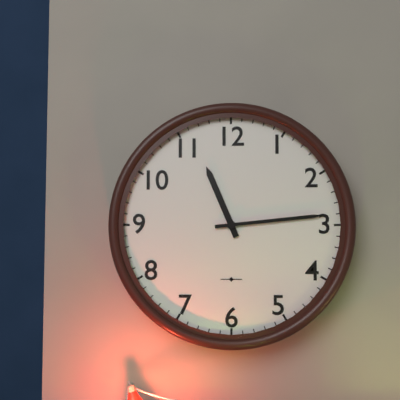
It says 11 h 14 min
